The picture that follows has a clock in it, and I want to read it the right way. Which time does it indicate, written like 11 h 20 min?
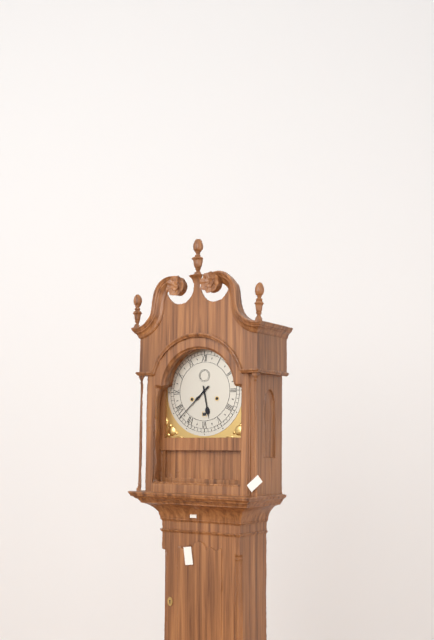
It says 5 h 38 min
